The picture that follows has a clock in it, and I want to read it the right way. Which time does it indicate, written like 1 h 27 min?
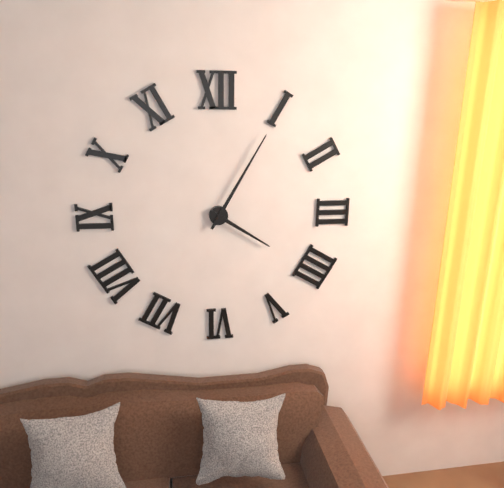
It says 4 h 05 min
